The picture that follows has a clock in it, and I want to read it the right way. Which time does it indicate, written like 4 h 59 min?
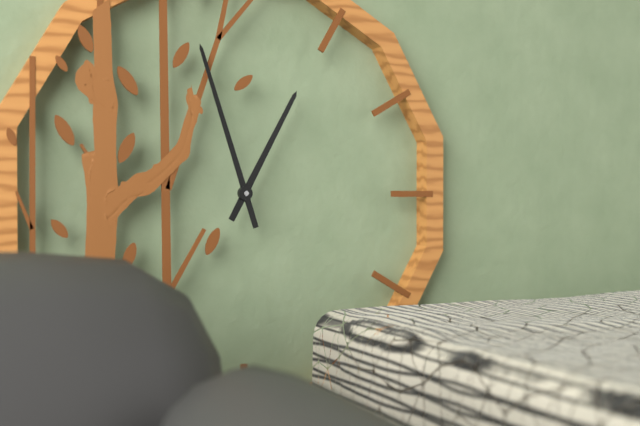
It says 12 h 57 min
